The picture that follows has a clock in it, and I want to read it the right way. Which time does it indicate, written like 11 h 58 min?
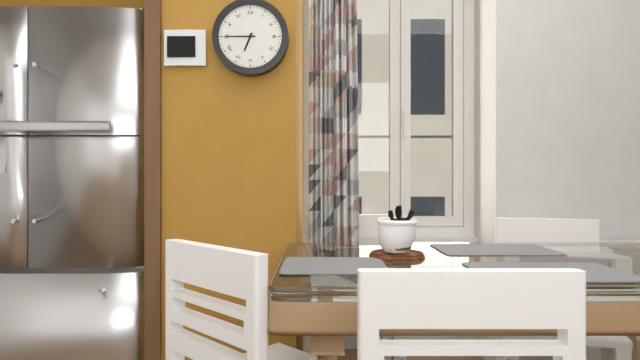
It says 6 h 45 min
